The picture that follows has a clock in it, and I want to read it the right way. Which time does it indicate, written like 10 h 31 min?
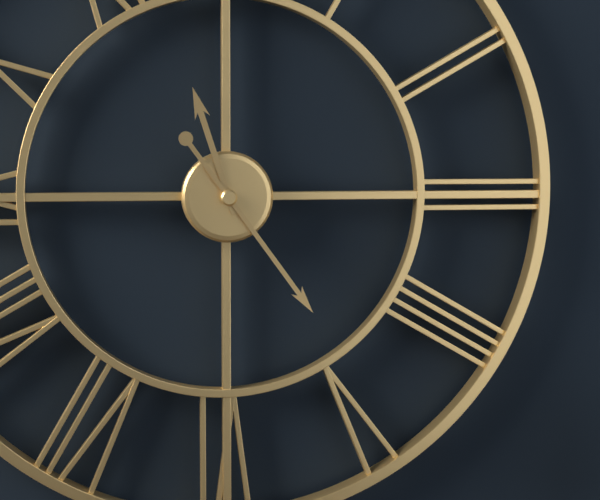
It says 11 h 24 min
